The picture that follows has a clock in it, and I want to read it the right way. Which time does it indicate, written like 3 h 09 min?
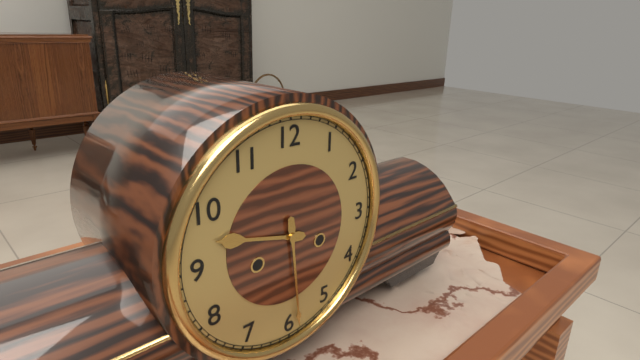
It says 9 h 29 min
